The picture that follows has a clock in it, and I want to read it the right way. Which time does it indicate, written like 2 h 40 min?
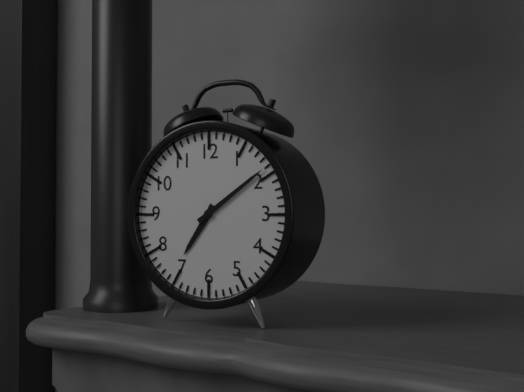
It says 7 h 09 min
